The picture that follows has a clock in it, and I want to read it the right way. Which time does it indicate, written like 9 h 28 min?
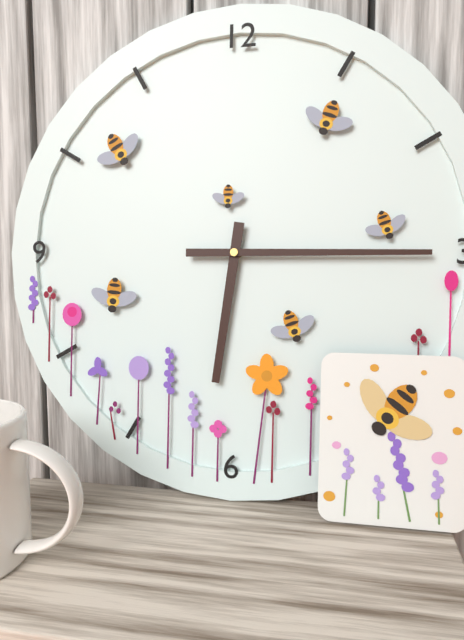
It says 6 h 15 min
